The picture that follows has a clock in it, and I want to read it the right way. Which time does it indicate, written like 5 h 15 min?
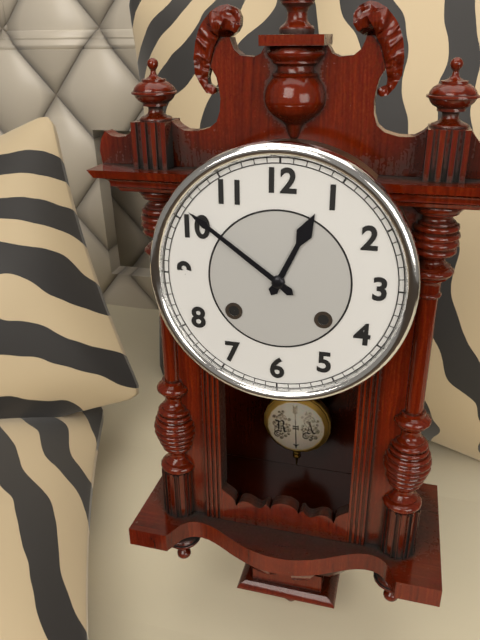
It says 12 h 51 min
